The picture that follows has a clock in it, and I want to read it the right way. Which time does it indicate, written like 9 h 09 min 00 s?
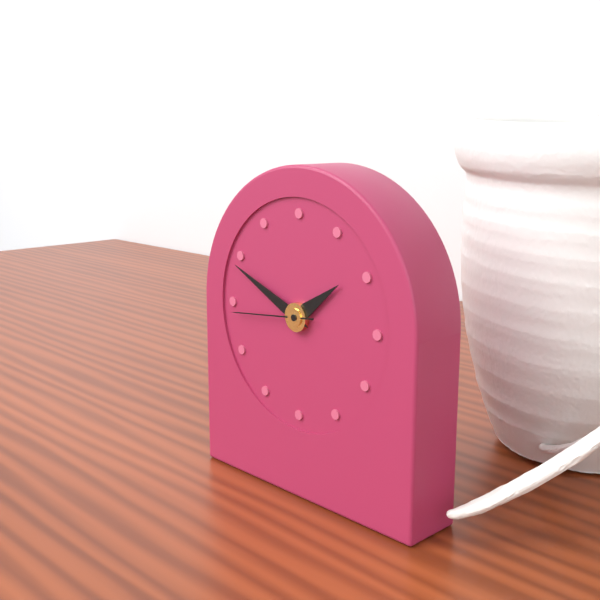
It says 1 h 49 min 44 s
